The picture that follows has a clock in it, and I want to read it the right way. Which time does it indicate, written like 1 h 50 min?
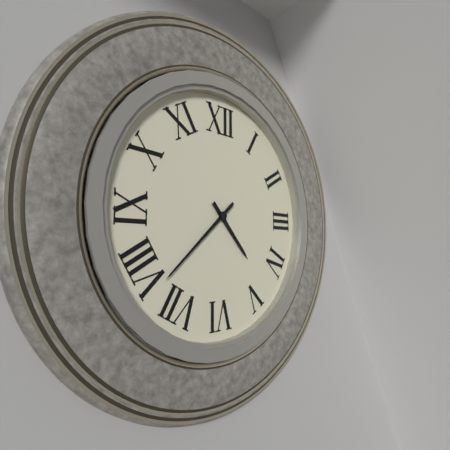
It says 4 h 38 min
